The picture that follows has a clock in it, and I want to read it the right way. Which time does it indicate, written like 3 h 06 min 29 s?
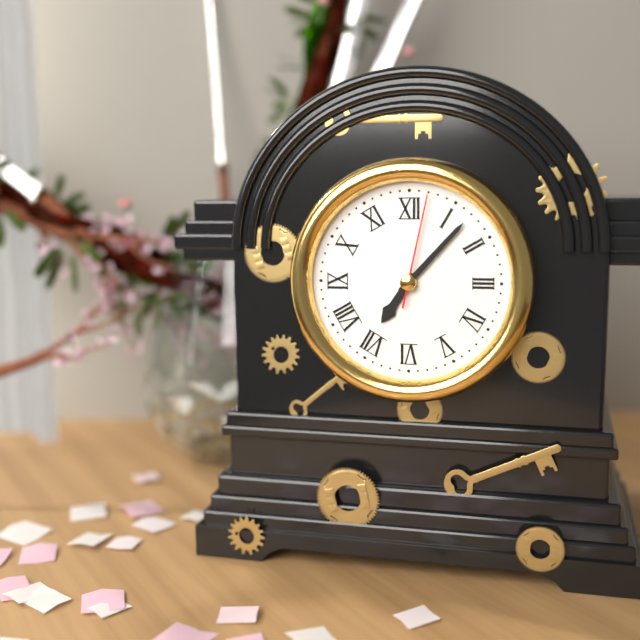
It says 7 h 07 min 02 s
